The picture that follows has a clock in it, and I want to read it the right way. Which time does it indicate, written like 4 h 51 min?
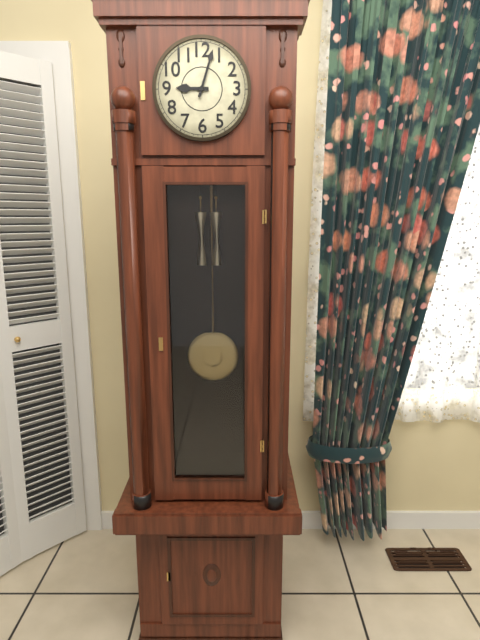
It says 9 h 03 min
